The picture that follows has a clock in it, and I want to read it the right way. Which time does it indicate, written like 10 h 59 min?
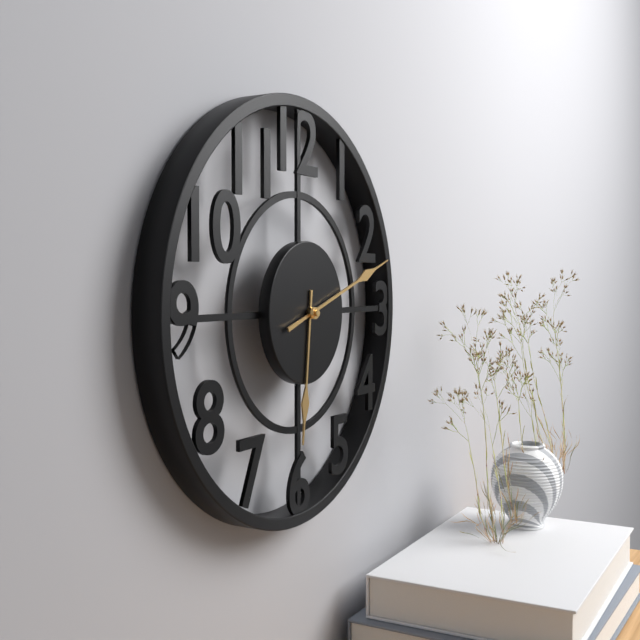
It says 6 h 12 min
